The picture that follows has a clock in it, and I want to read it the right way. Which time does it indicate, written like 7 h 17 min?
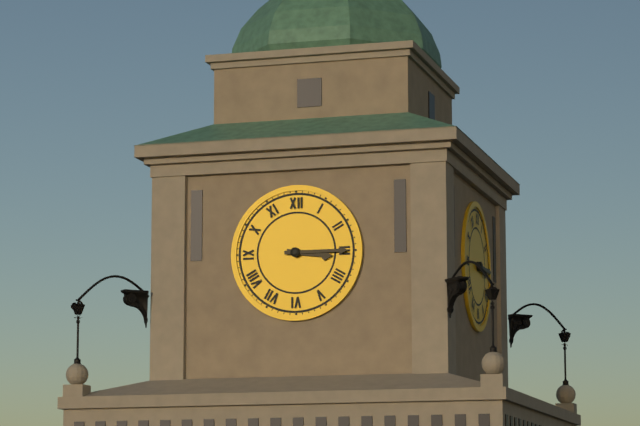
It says 3 h 15 min
